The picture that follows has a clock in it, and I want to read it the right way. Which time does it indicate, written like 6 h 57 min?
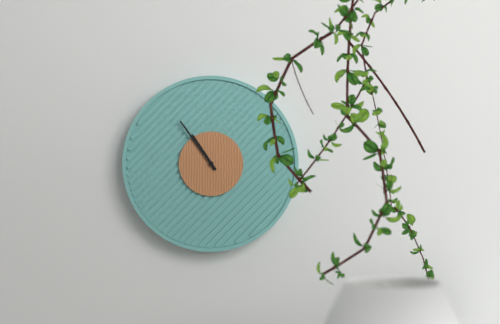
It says 10 h 54 min
